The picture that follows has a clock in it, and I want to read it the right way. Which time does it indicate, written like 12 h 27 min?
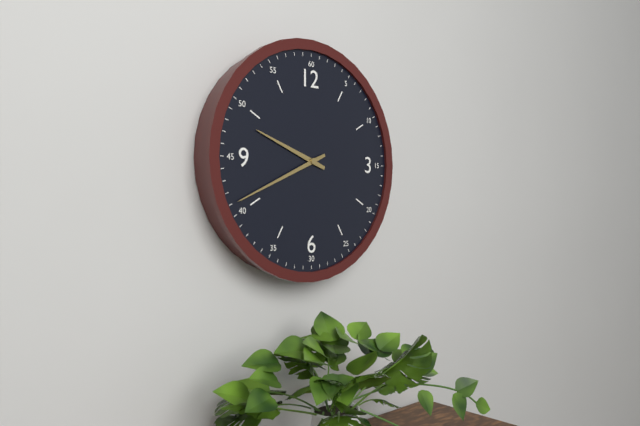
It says 9 h 41 min
